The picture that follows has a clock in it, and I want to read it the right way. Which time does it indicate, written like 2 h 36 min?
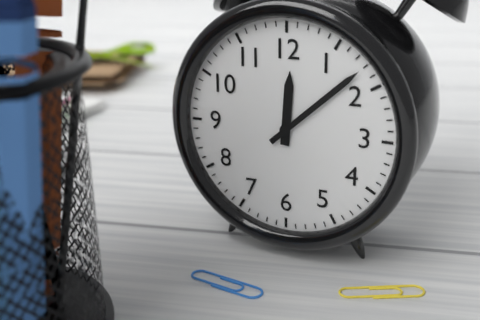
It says 12 h 08 min
